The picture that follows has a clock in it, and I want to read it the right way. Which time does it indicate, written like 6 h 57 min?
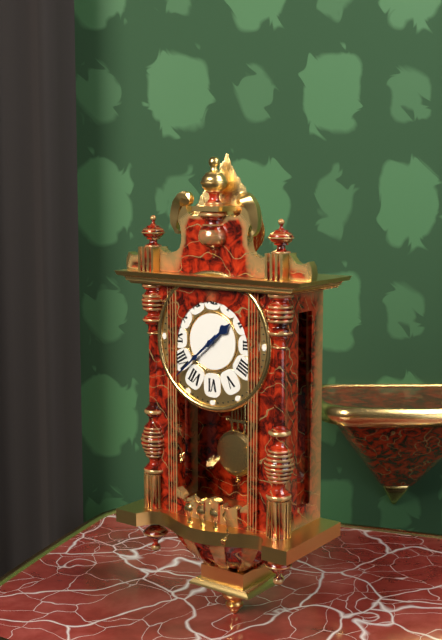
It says 1 h 38 min
